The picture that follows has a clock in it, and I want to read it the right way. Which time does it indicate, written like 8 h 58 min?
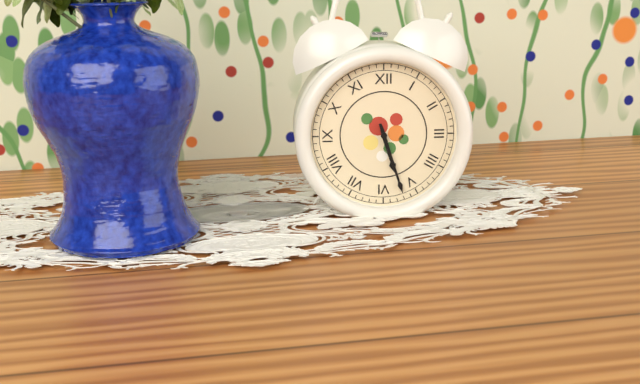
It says 5 h 27 min
